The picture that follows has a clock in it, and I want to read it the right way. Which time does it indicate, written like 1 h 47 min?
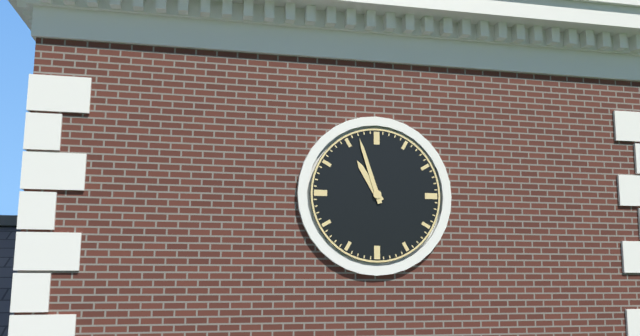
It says 10 h 57 min
